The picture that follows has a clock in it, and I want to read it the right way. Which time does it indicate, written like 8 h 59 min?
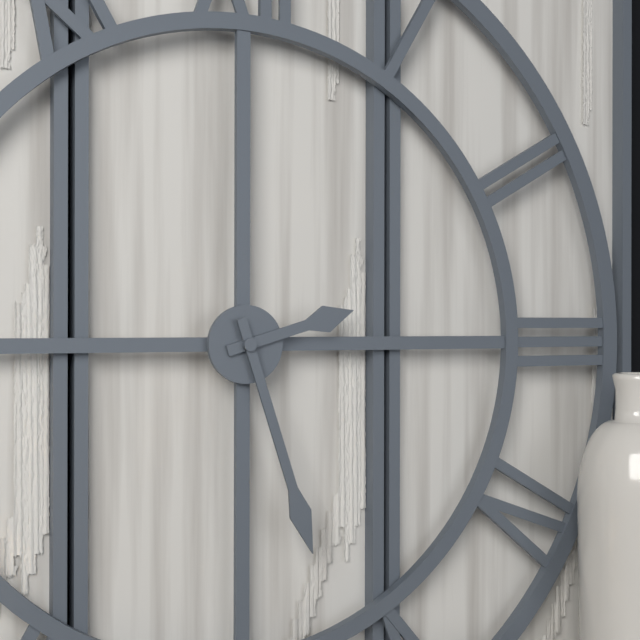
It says 2 h 27 min
